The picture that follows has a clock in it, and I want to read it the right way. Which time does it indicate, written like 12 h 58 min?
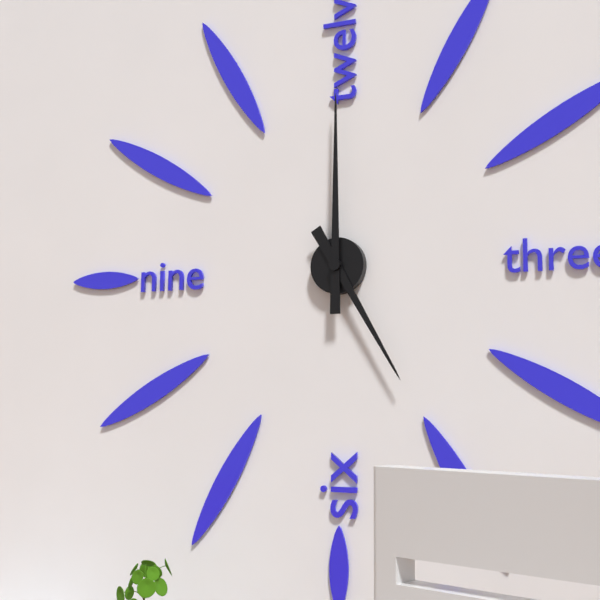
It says 5 h 00 min
